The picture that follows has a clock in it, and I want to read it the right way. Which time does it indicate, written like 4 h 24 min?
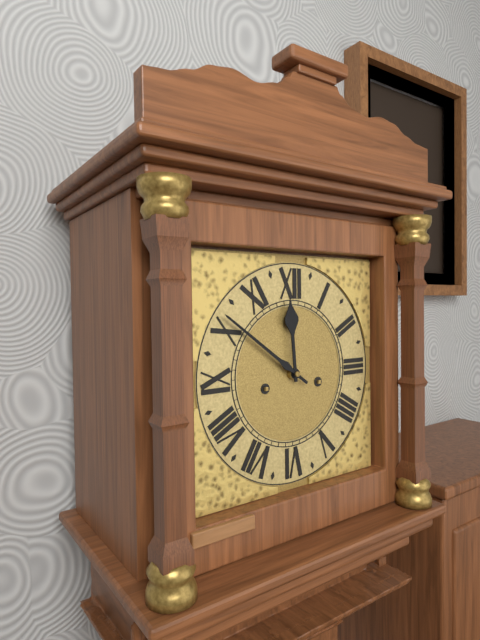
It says 11 h 51 min
